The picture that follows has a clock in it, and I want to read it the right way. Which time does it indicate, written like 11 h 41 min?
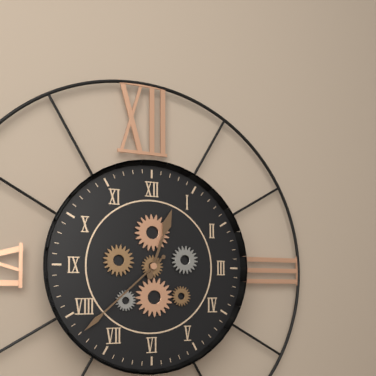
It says 12 h 38 min
